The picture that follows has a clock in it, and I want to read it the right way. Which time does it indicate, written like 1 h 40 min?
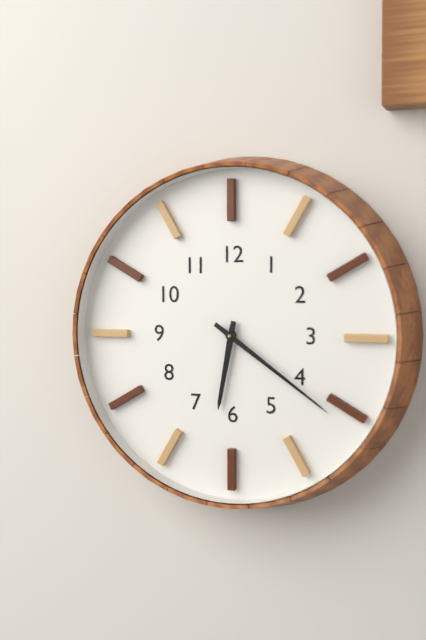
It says 6 h 21 min
